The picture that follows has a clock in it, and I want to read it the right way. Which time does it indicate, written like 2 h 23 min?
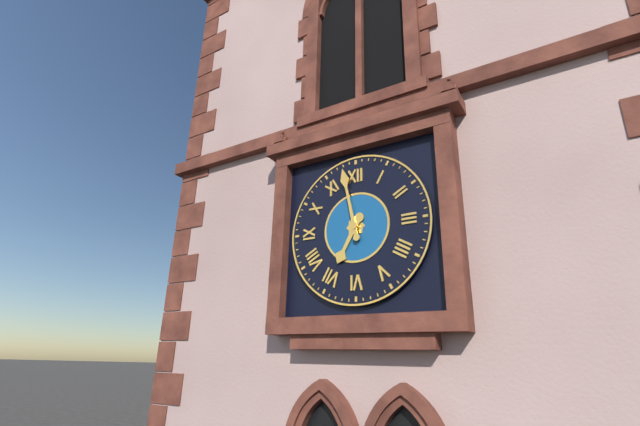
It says 6 h 58 min
